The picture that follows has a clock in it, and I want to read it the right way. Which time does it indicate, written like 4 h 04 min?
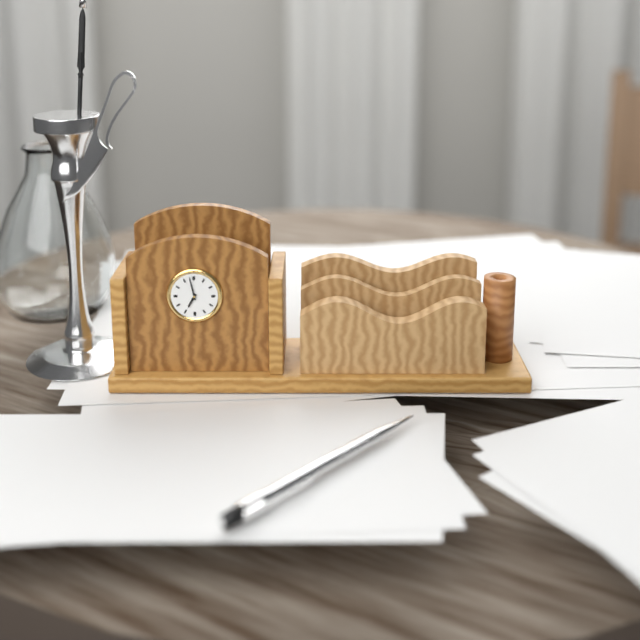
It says 6 h 58 min
